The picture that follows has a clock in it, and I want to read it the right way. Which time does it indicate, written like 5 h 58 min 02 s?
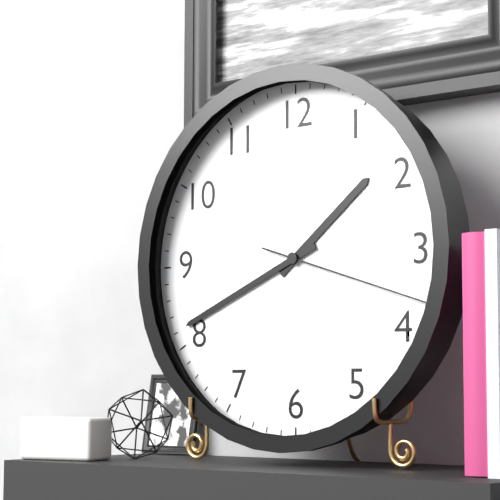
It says 1 h 41 min 18 s
